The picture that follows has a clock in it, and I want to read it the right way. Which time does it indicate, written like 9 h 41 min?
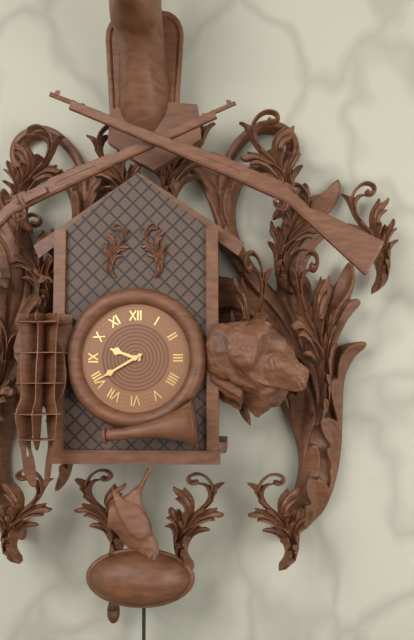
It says 9 h 40 min
